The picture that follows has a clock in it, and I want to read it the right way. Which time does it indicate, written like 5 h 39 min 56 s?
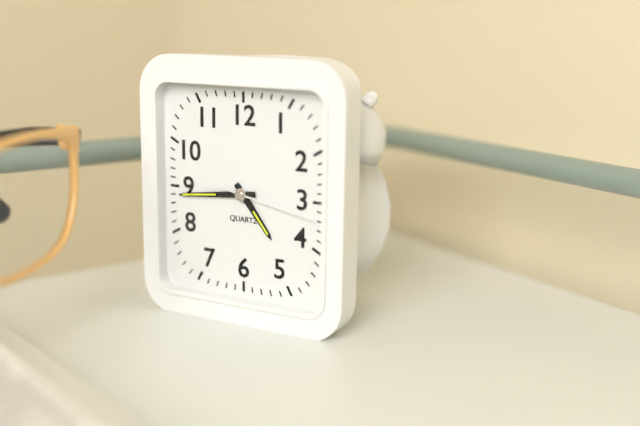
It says 4 h 44 min 17 s
